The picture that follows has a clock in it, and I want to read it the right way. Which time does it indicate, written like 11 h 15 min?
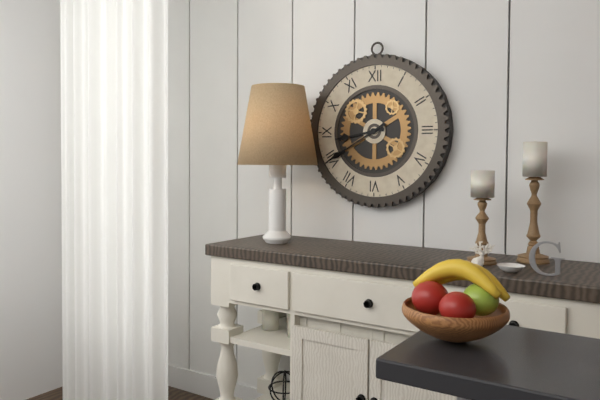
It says 8 h 40 min
